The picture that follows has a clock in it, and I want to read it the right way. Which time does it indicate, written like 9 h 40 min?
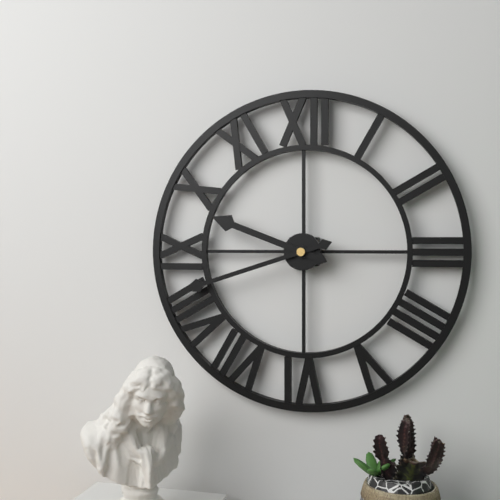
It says 9 h 42 min
